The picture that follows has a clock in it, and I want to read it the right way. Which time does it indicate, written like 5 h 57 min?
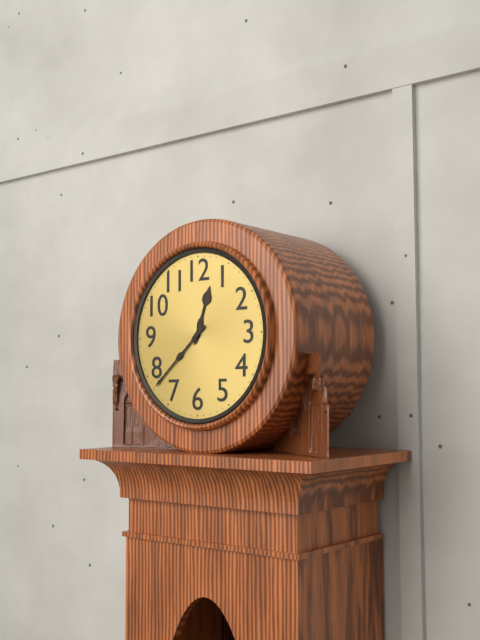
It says 12 h 38 min
